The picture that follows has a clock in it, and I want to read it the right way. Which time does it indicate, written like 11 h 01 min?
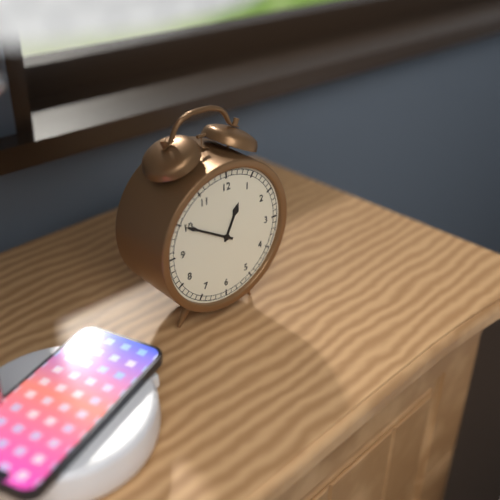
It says 12 h 50 min
